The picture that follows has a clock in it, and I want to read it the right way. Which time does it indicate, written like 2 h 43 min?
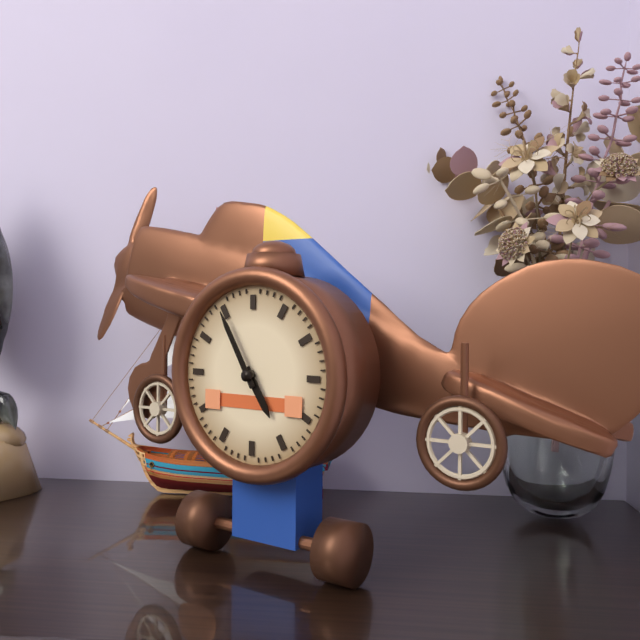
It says 4 h 55 min
